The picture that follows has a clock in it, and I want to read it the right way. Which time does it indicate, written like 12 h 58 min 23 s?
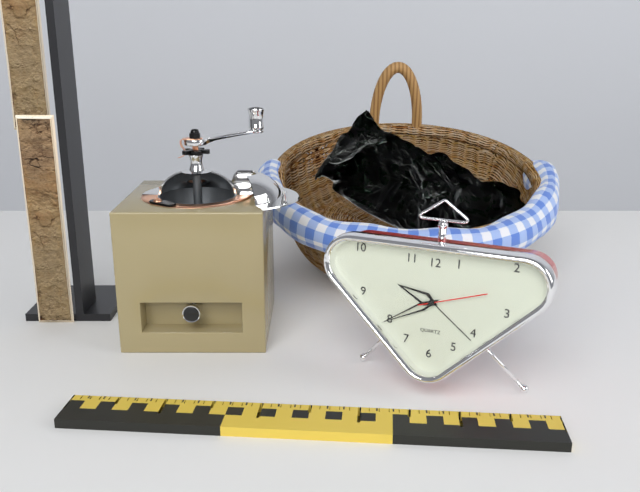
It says 9 h 40 min 12 s
